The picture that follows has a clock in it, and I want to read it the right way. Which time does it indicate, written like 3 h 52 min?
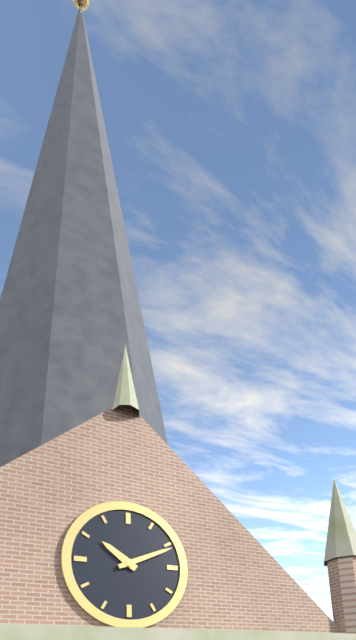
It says 10 h 11 min
